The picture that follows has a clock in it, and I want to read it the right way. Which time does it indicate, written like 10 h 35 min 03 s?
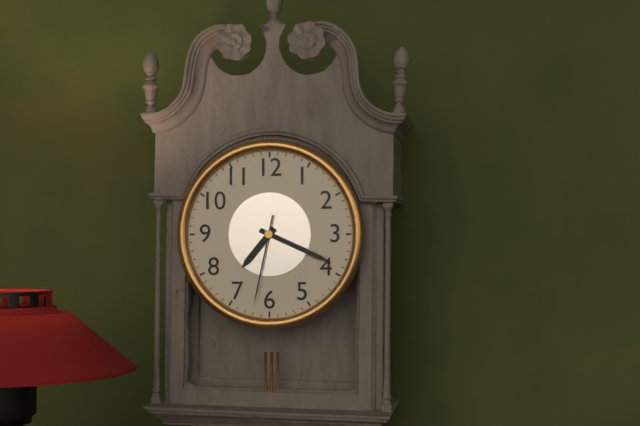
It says 7 h 19 min 32 s
